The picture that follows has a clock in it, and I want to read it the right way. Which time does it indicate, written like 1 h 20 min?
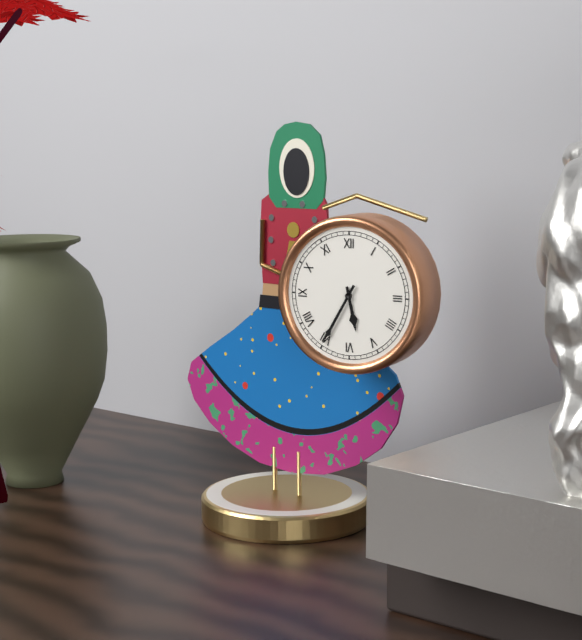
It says 5 h 35 min
